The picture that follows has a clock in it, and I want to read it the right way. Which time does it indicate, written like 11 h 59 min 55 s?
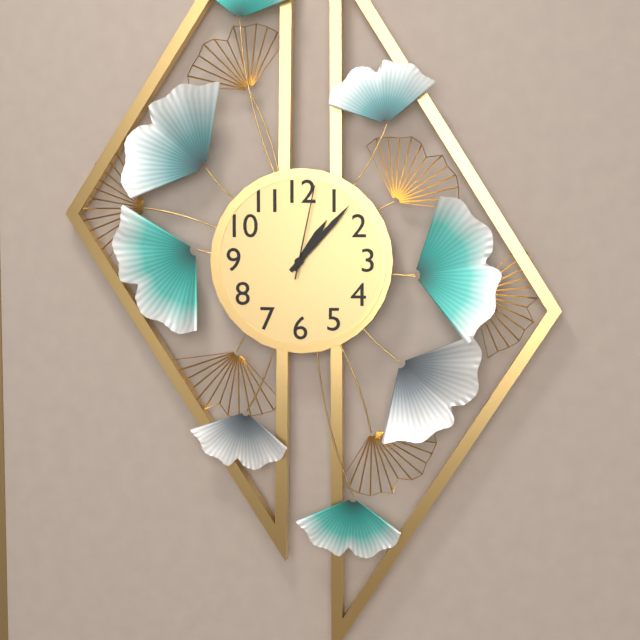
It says 1 h 07 min 02 s
